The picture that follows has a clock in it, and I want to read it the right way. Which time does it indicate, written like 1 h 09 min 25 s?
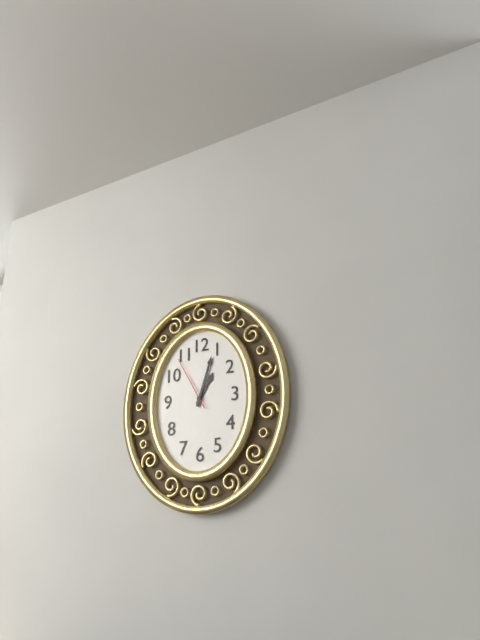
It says 1 h 03 min 55 s
